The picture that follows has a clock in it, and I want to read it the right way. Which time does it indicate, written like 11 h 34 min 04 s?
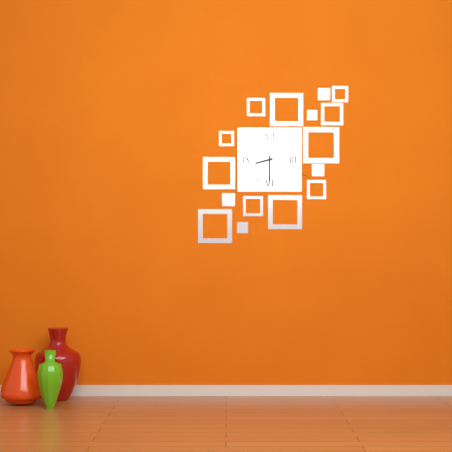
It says 8 h 30 min 19 s
